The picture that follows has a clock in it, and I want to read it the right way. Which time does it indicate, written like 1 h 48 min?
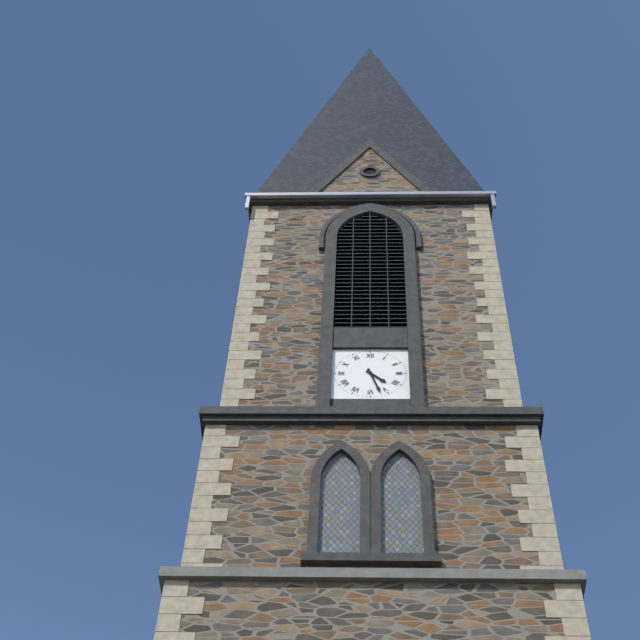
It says 4 h 27 min
